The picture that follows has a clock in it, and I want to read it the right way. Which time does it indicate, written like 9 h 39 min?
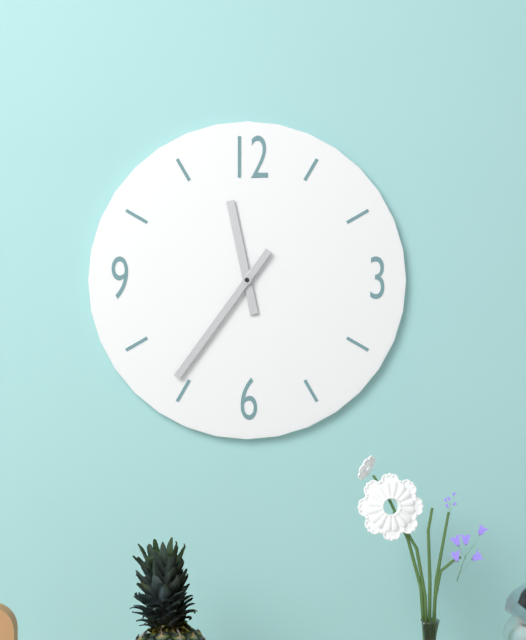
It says 11 h 36 min
